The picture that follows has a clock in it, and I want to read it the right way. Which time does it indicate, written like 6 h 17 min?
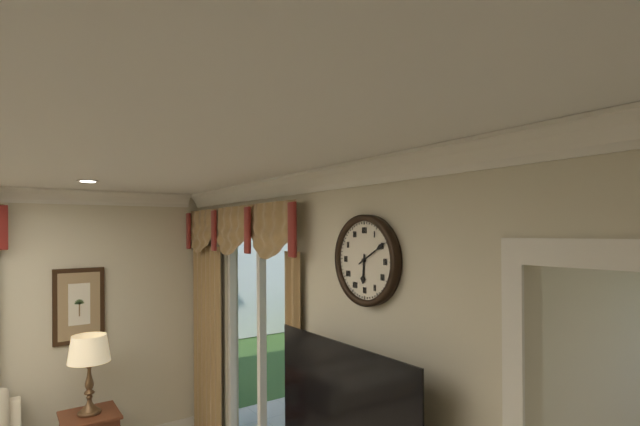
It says 6 h 10 min
